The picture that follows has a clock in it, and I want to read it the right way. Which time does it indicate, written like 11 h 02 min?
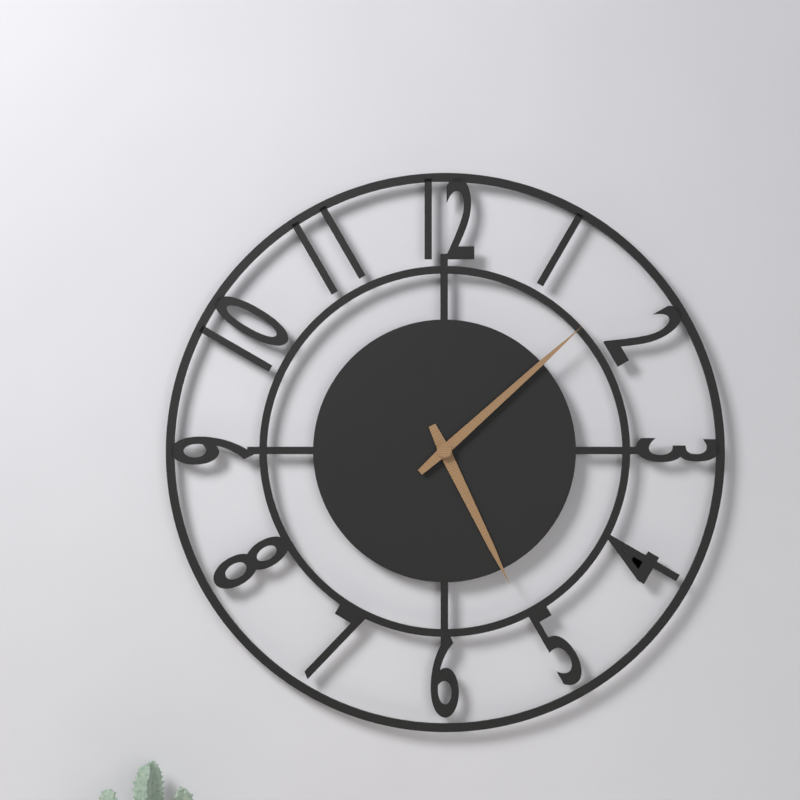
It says 5 h 08 min
